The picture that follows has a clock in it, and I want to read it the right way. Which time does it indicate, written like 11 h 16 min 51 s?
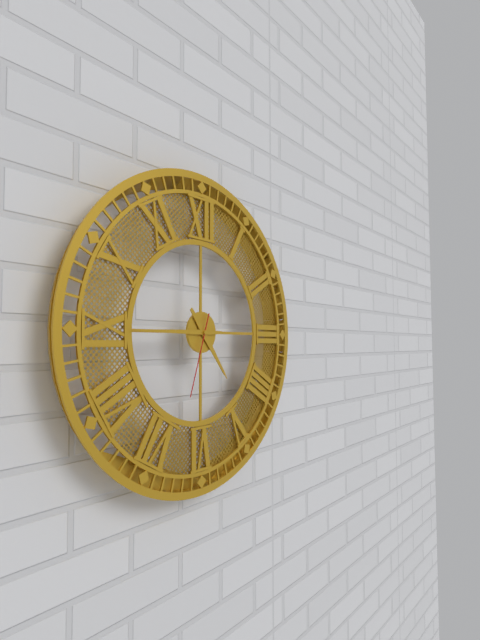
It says 4 h 45 min 33 s
